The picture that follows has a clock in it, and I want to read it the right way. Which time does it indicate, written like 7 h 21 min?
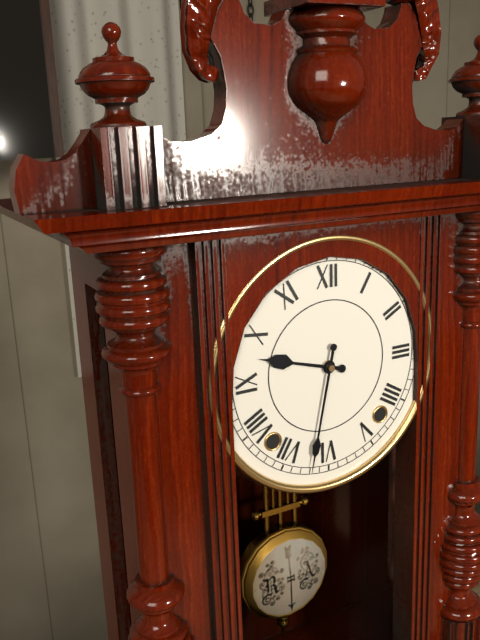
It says 9 h 32 min
